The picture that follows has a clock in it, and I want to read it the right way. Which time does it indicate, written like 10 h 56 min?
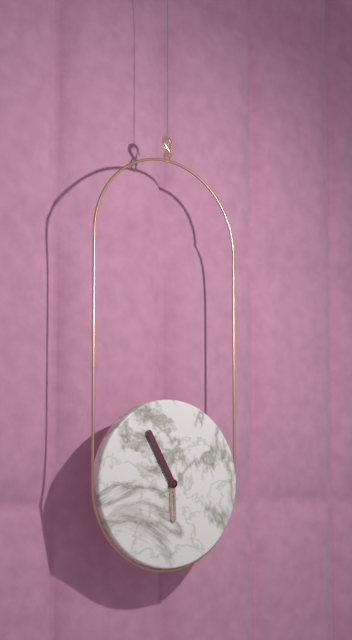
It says 5 h 55 min
